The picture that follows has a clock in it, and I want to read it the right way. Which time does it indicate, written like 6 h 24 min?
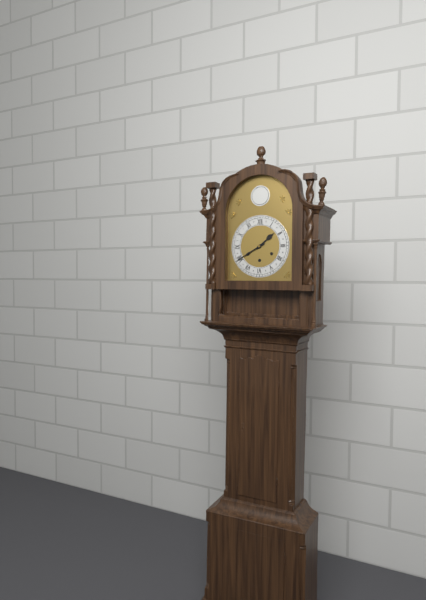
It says 1 h 40 min
